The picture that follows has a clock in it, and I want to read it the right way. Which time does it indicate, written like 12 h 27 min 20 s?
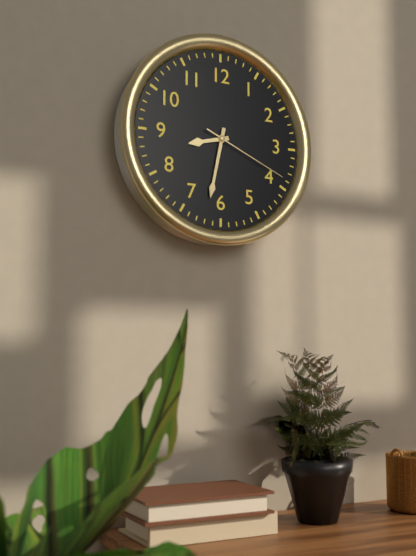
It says 8 h 32 min 19 s
